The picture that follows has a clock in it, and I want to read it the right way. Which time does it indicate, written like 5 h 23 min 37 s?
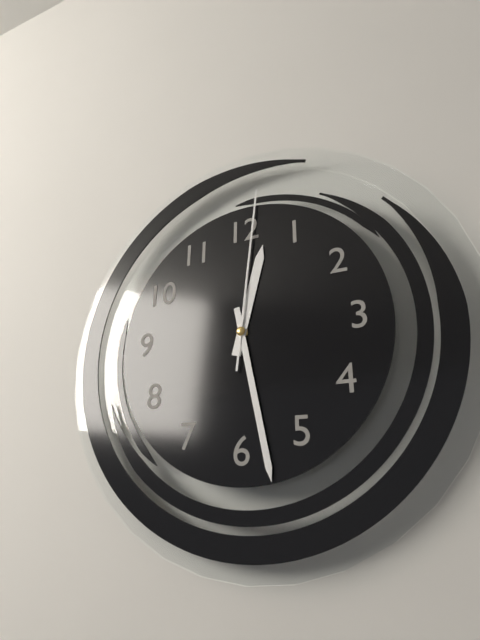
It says 12 h 28 min 01 s
